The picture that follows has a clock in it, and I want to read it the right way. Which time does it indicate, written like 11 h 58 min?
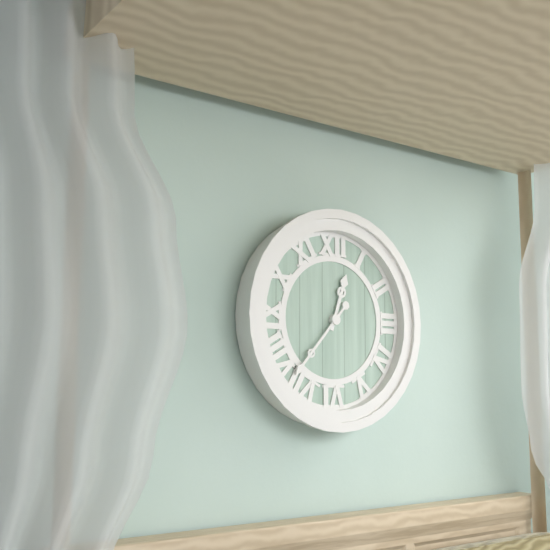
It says 12 h 37 min
